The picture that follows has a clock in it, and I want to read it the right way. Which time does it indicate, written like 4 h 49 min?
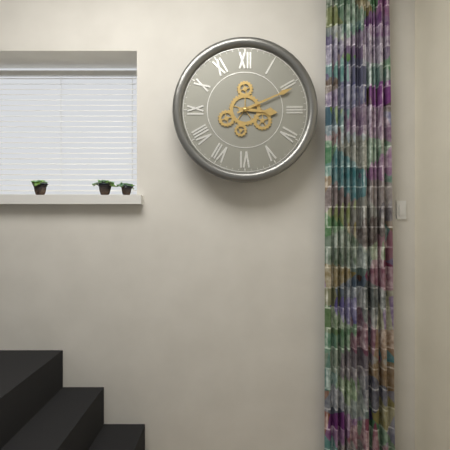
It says 3 h 11 min
